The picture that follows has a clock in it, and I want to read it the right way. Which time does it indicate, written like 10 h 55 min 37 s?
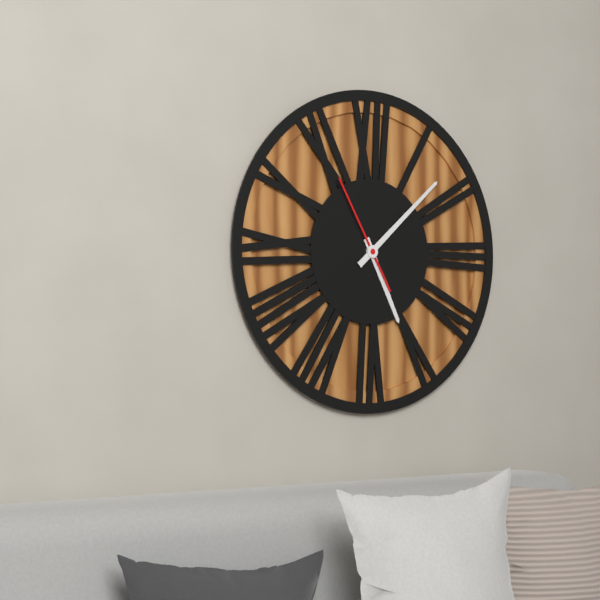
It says 5 h 08 min 55 s
